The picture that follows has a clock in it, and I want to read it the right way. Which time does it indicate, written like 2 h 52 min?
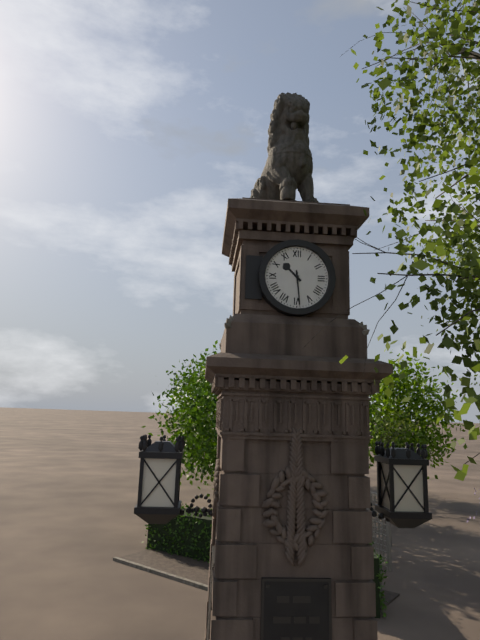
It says 10 h 29 min
